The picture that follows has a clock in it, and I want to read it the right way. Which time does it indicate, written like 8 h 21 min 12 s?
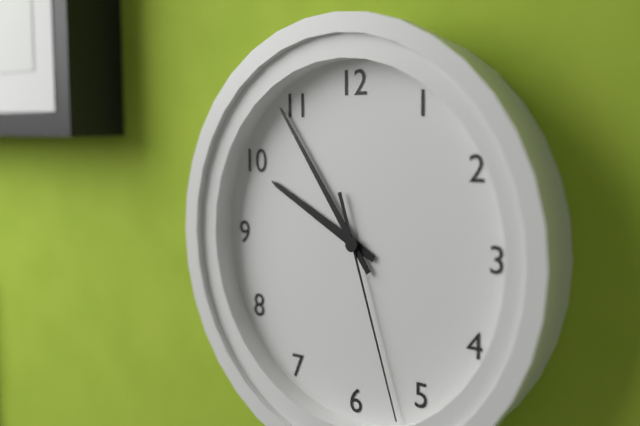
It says 9 h 54 min 27 s
